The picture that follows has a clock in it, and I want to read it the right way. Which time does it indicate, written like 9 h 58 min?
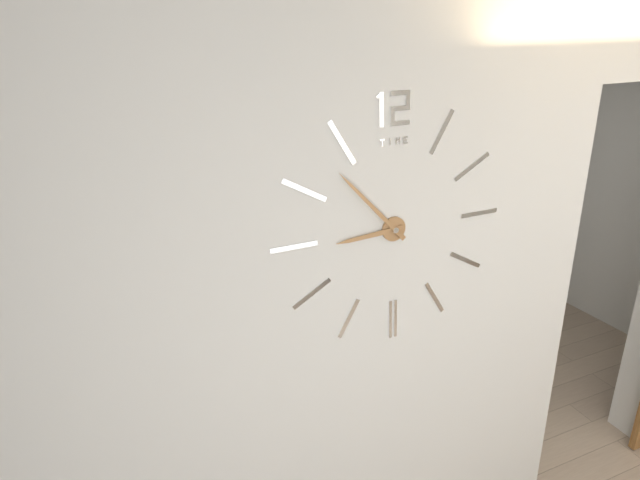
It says 8 h 53 min
